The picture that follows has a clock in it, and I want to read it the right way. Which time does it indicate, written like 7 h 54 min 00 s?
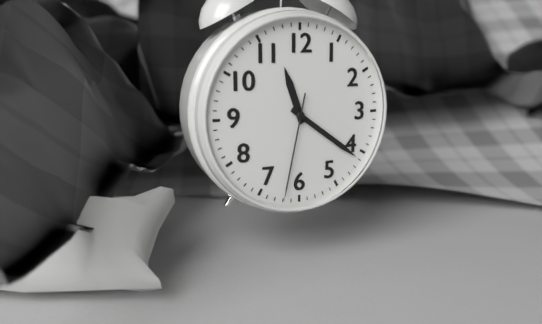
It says 11 h 21 min 32 s
